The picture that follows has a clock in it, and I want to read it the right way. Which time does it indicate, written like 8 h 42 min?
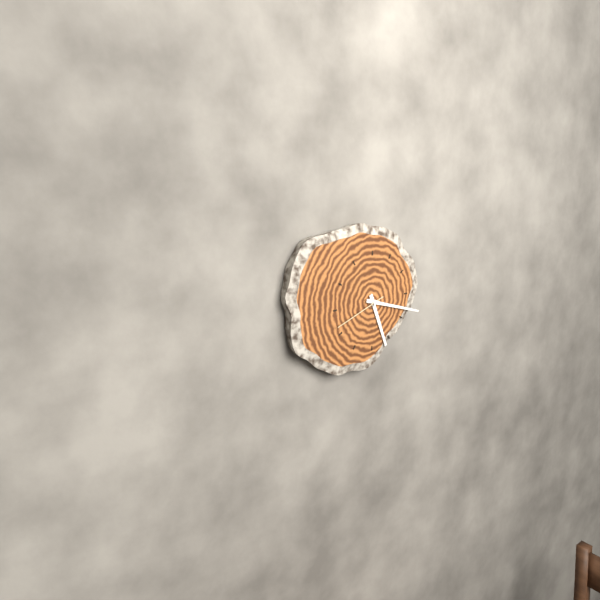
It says 5 h 18 min
